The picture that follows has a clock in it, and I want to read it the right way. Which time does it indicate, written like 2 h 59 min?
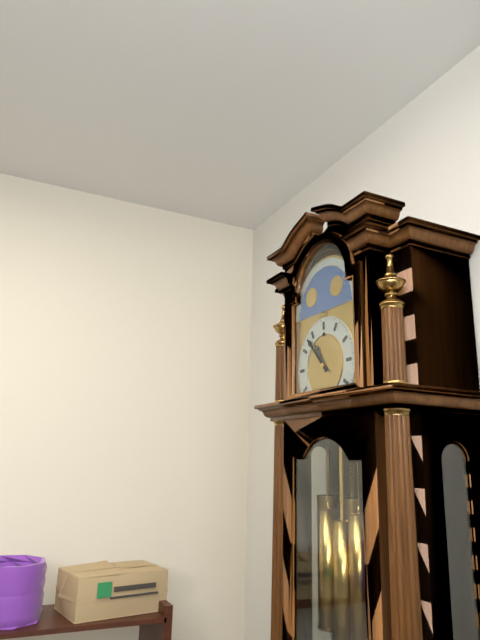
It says 10 h 53 min
